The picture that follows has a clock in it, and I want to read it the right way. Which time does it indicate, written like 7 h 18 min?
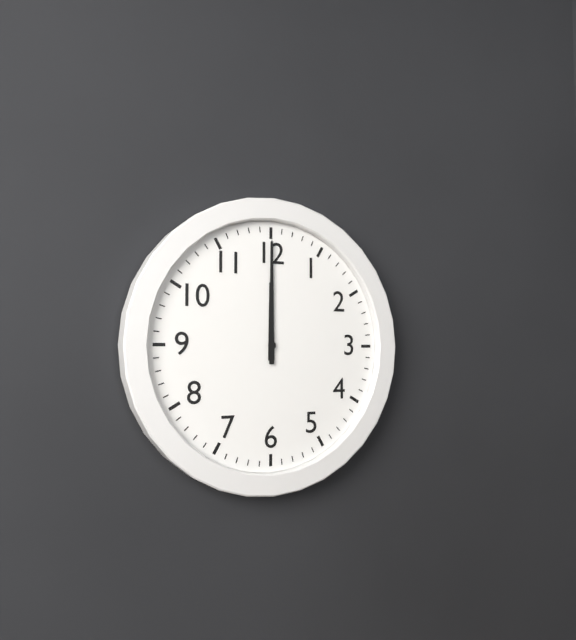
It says 12 h 00 min
